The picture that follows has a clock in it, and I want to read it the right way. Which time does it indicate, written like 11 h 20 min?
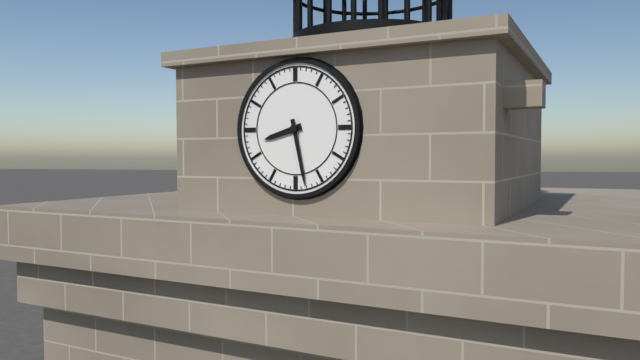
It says 8 h 28 min
